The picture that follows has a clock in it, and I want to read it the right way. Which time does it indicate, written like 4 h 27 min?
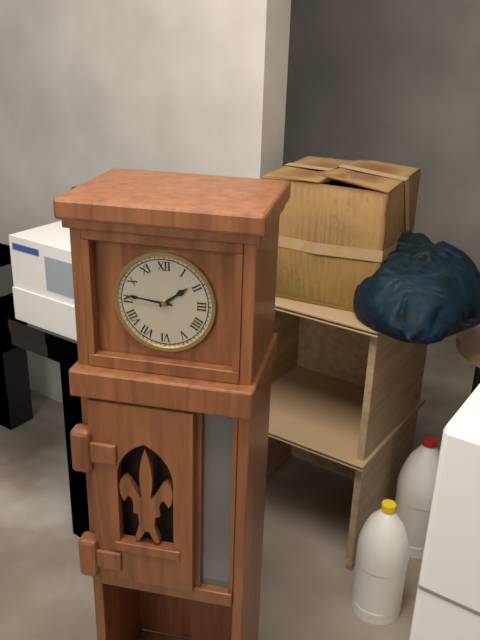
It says 1 h 46 min
